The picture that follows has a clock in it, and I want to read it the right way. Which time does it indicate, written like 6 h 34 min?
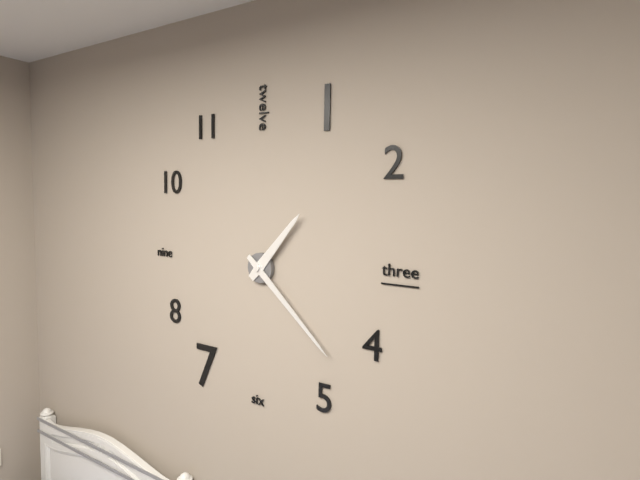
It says 1 h 22 min
